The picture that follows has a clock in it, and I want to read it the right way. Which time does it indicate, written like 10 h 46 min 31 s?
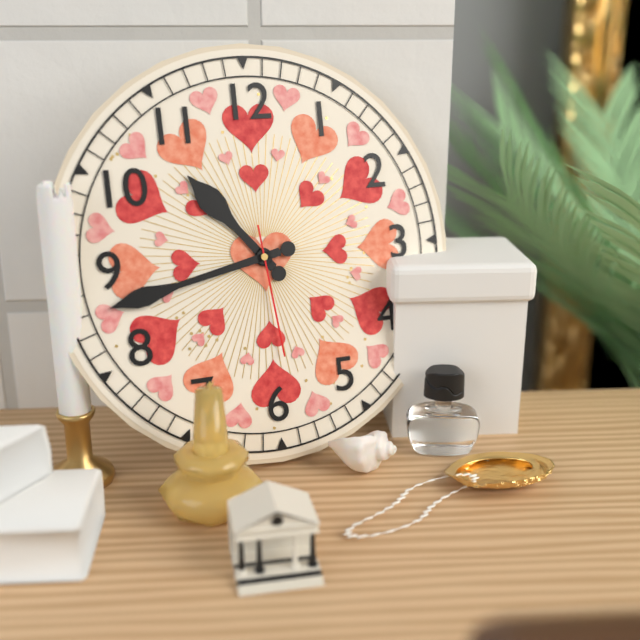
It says 10 h 43 min 29 s
